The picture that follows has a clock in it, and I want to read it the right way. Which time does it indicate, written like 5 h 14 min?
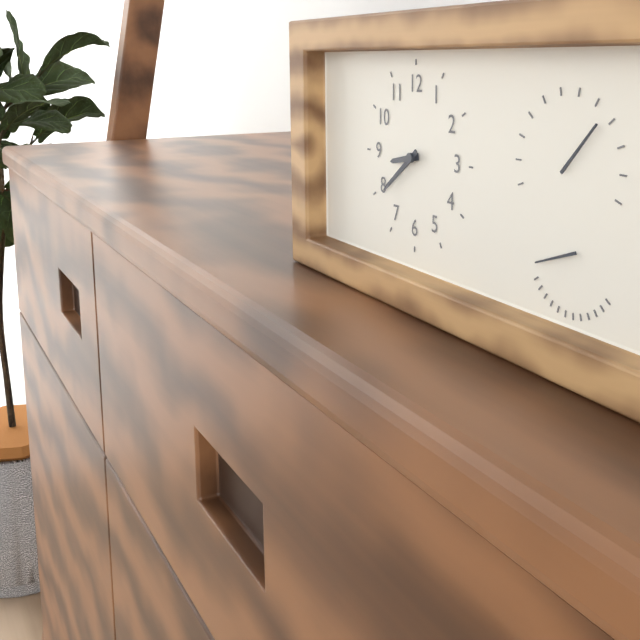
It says 8 h 39 min
